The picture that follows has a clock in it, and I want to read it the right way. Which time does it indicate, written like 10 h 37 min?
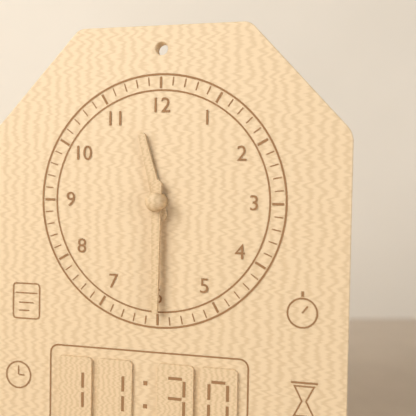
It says 11 h 30 min
